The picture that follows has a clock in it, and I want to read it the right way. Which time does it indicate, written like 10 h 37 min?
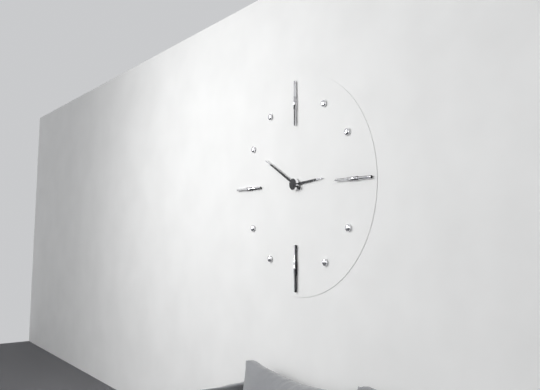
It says 2 h 50 min
